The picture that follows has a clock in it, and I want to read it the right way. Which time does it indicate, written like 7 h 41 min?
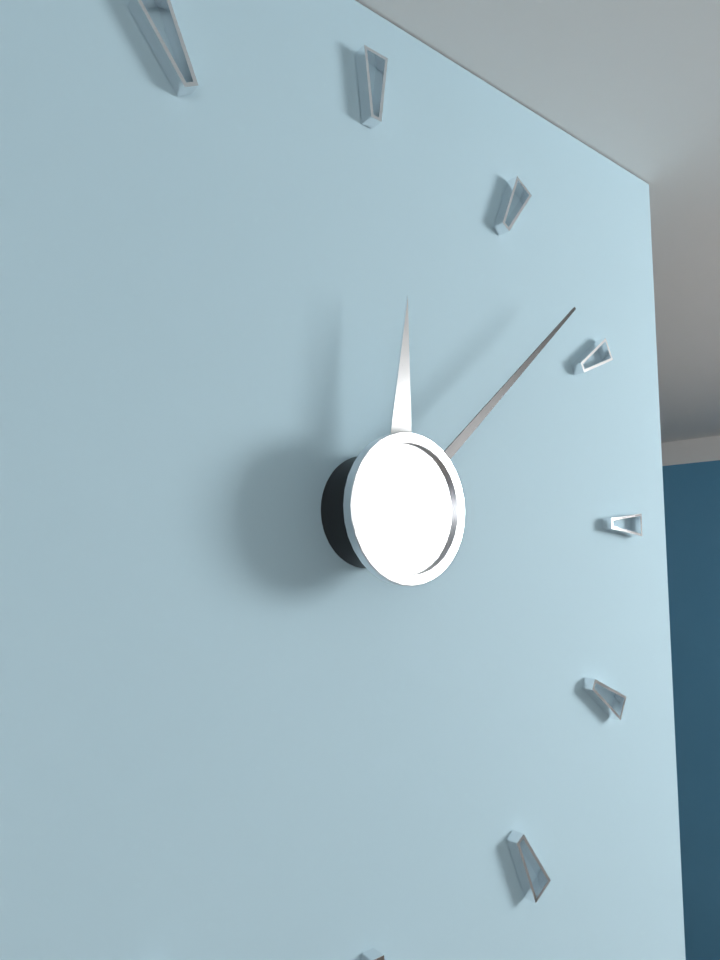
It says 12 h 08 min
